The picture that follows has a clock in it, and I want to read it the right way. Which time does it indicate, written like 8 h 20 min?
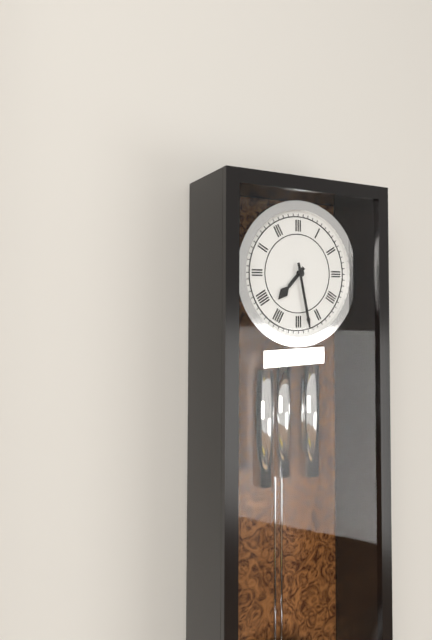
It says 7 h 28 min
